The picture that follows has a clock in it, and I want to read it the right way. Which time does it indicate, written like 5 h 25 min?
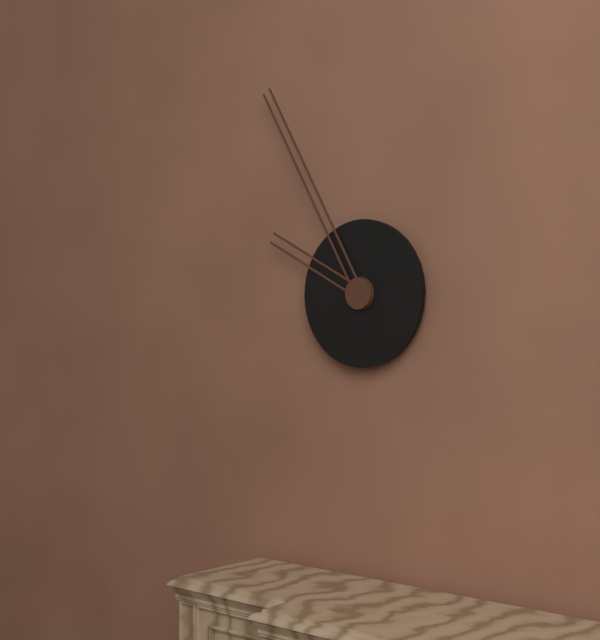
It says 9 h 55 min
